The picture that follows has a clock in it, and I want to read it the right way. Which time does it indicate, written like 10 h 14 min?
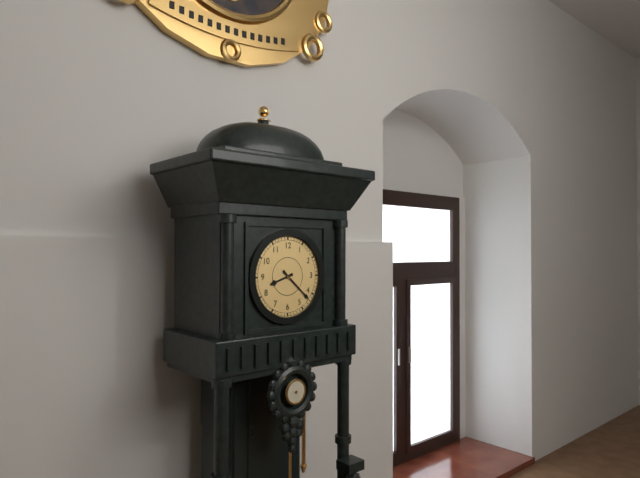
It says 8 h 22 min
